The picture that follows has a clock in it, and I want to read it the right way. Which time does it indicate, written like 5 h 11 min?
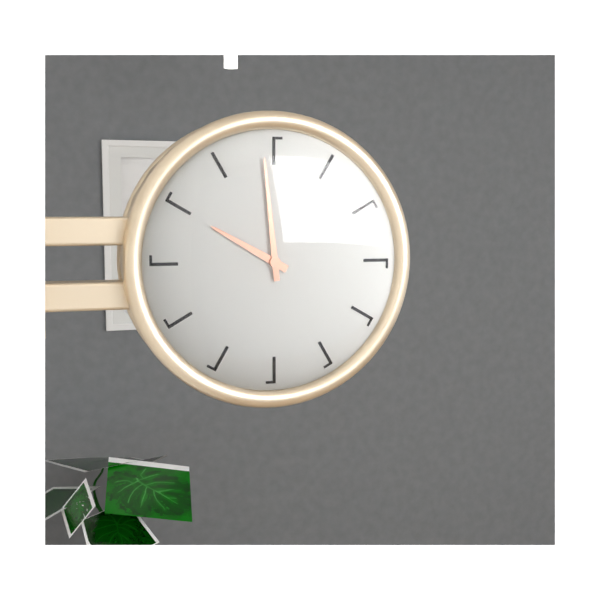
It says 9 h 59 min
